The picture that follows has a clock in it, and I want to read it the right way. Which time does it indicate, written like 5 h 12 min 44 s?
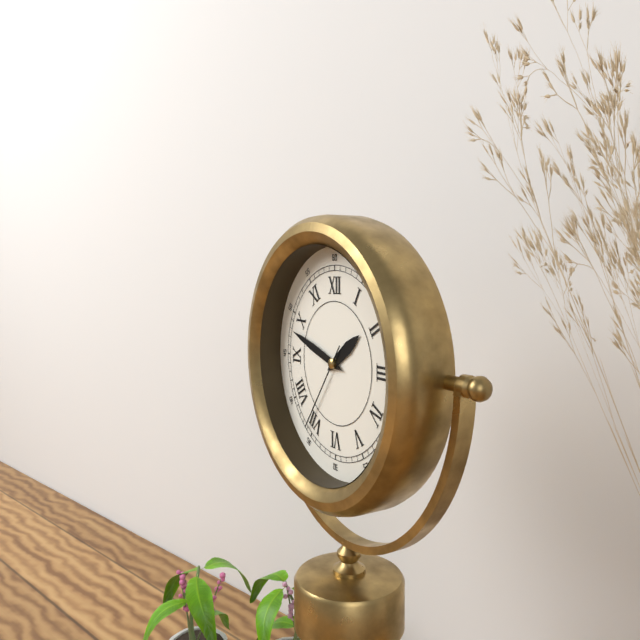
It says 1 h 48 min 36 s
